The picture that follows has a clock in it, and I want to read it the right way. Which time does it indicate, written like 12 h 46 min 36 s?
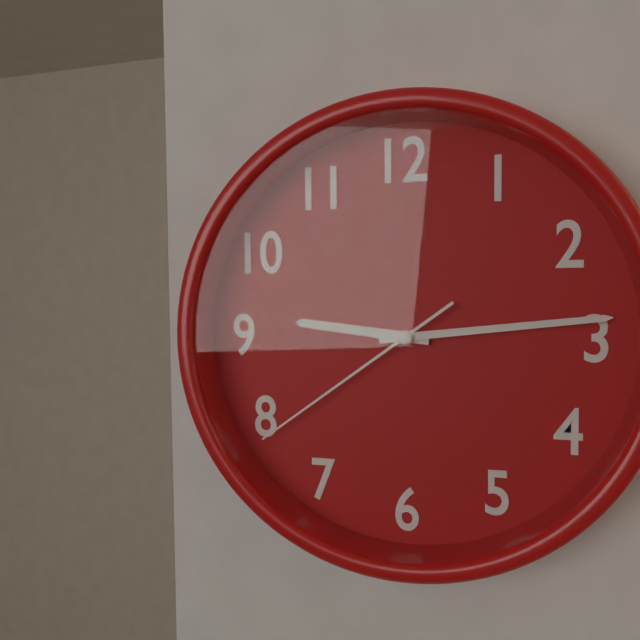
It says 9 h 14 min 39 s
